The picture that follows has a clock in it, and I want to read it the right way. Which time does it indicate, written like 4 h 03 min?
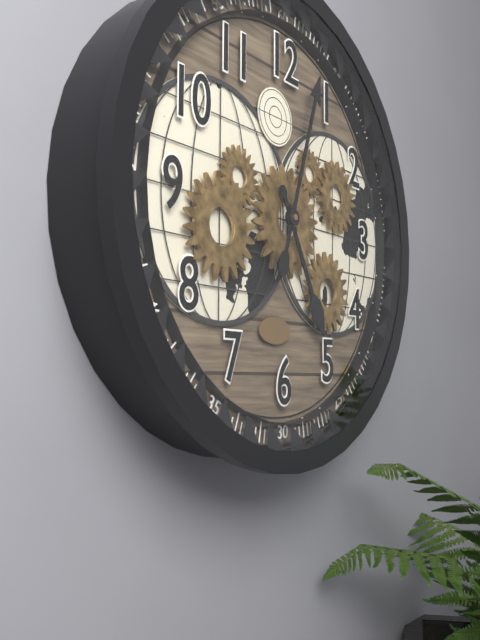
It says 5 h 03 min
